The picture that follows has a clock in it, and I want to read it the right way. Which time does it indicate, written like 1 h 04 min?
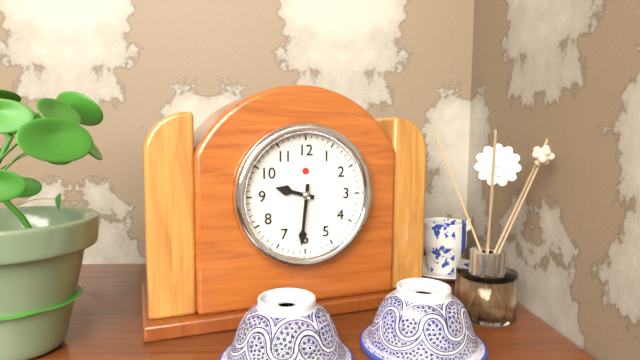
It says 9 h 31 min
